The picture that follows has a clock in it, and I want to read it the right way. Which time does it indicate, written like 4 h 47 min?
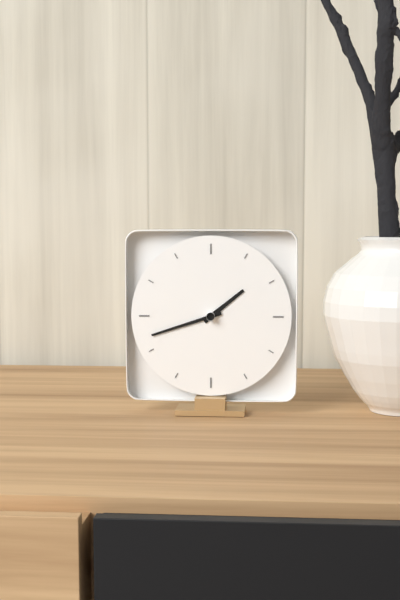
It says 1 h 42 min
